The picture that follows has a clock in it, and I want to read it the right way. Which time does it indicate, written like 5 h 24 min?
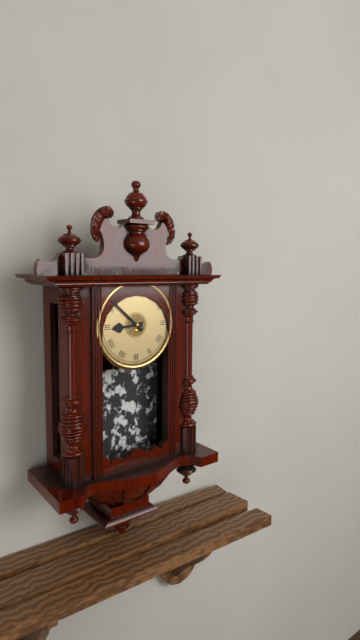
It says 8 h 52 min
